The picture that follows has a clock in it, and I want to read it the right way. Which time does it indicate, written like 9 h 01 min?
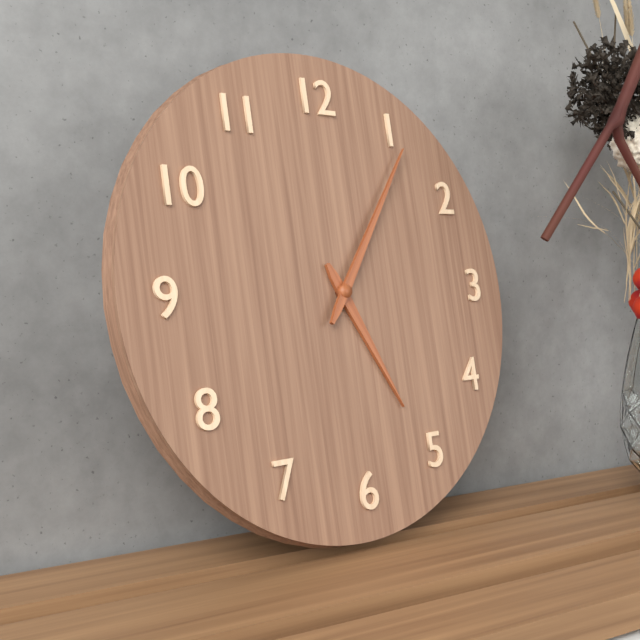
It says 5 h 06 min
